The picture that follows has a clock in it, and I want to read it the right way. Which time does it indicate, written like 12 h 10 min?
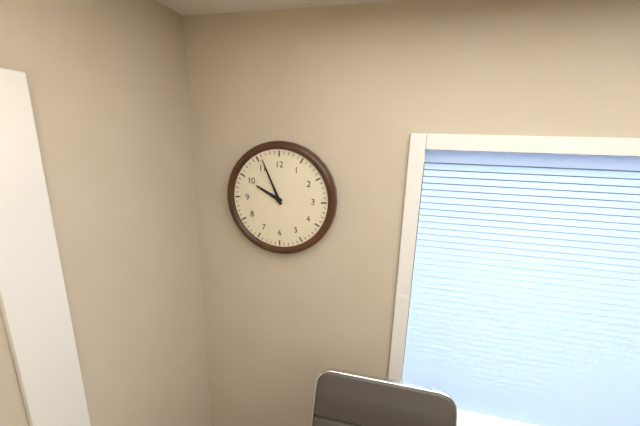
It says 9 h 56 min
